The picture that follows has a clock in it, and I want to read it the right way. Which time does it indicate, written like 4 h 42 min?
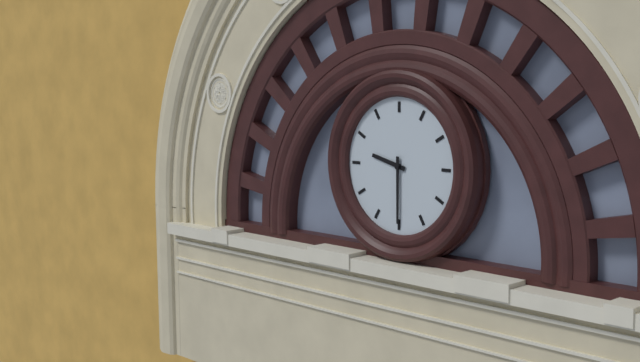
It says 9 h 30 min
